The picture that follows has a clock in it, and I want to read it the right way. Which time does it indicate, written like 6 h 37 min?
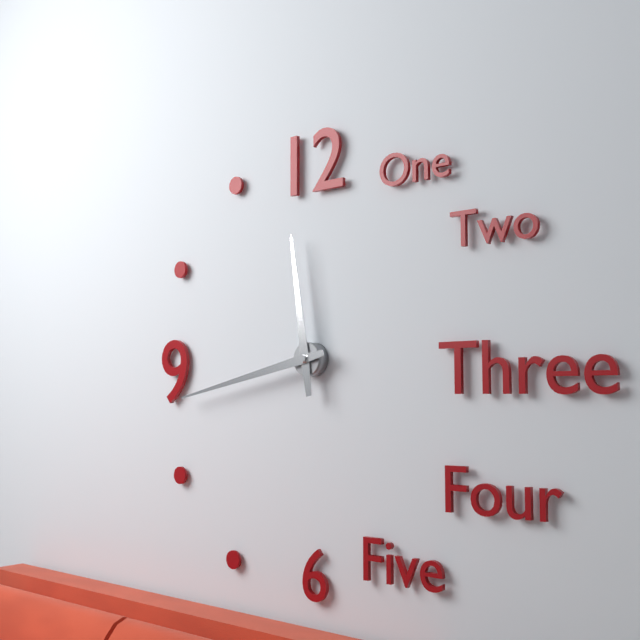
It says 11 h 43 min
